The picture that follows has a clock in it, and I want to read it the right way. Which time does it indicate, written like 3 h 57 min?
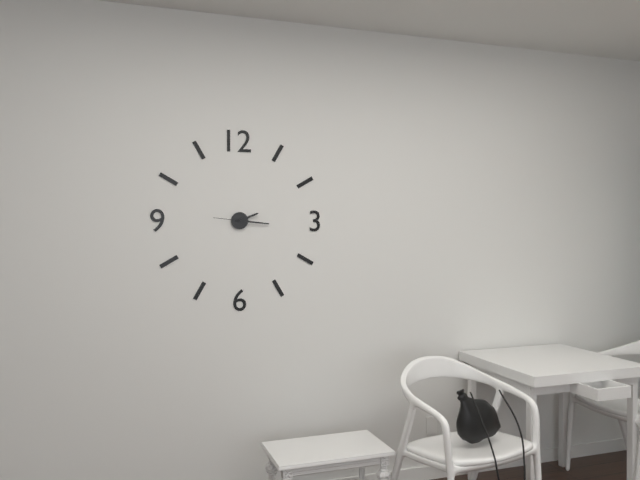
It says 2 h 16 min
